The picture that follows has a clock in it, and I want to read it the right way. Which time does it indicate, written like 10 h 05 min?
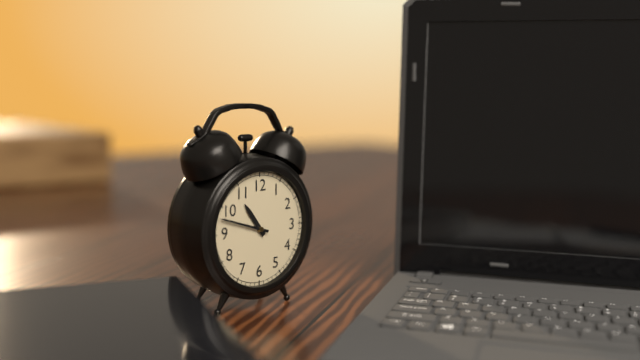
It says 10 h 48 min
